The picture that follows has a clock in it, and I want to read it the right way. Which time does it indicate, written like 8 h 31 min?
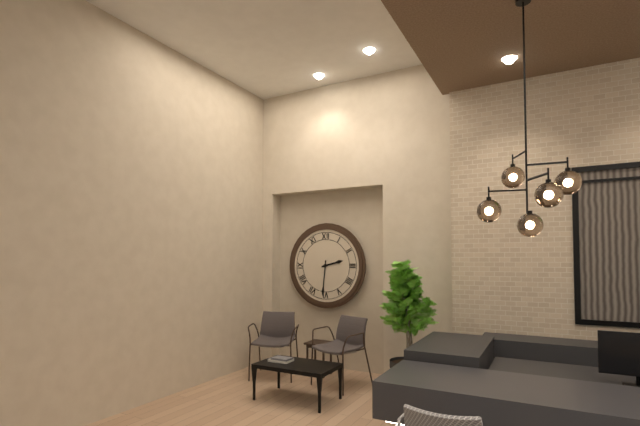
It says 2 h 31 min
